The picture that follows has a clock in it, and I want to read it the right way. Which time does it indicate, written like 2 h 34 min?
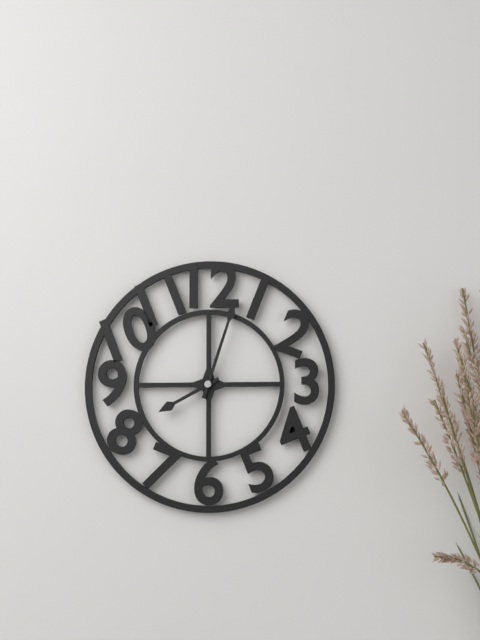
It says 8 h 03 min
